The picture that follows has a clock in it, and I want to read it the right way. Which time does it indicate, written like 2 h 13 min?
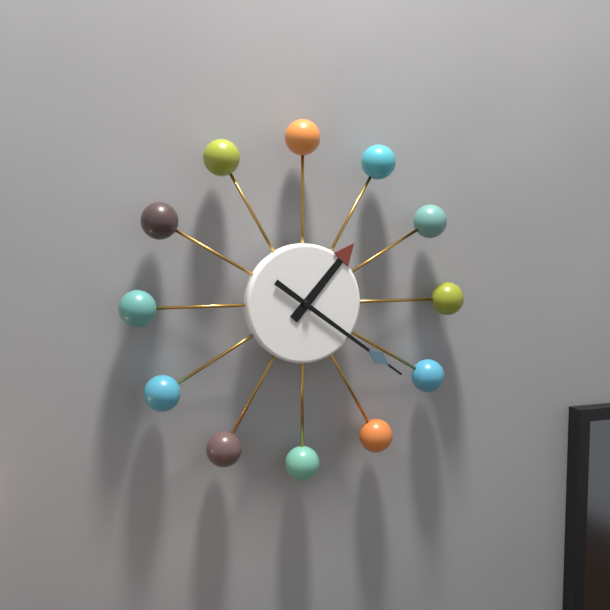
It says 1 h 21 min
